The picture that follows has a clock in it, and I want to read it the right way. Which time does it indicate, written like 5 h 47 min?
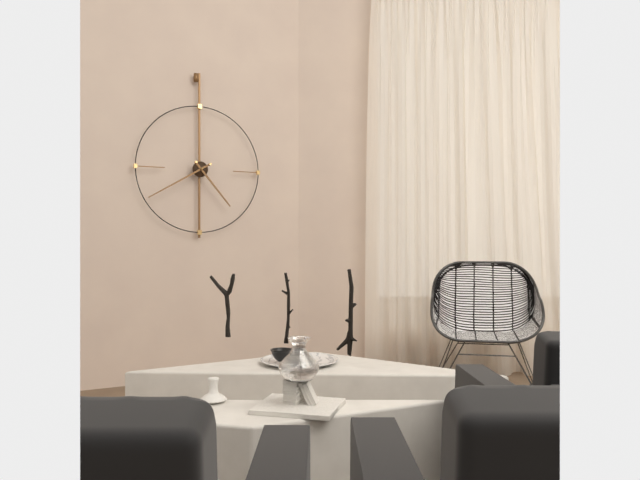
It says 4 h 40 min
